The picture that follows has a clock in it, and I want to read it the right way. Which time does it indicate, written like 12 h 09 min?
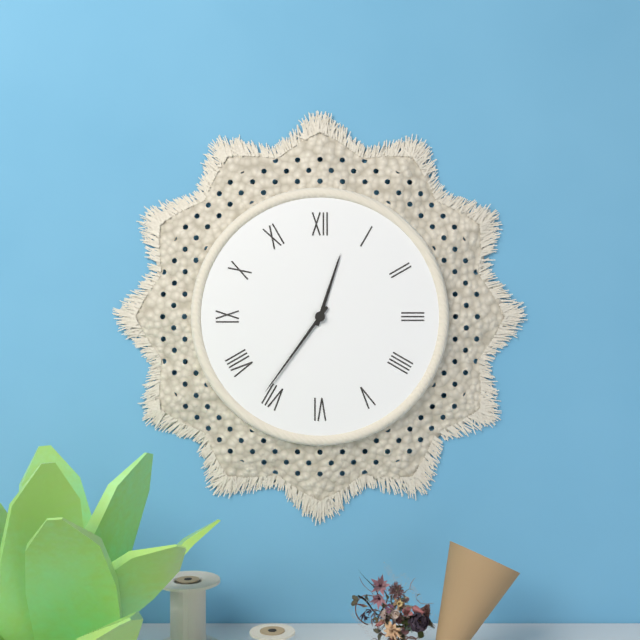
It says 12 h 36 min
